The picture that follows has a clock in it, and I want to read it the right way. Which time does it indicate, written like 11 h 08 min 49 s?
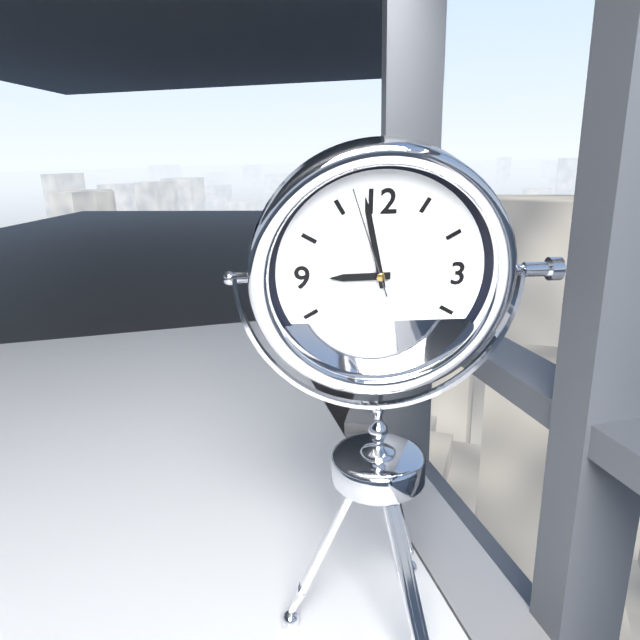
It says 8 h 58 min 57 s
